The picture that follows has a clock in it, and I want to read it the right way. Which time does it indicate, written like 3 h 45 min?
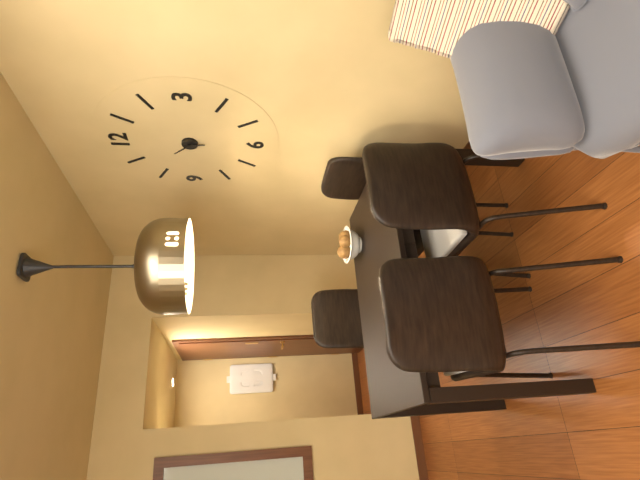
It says 5 h 53 min
